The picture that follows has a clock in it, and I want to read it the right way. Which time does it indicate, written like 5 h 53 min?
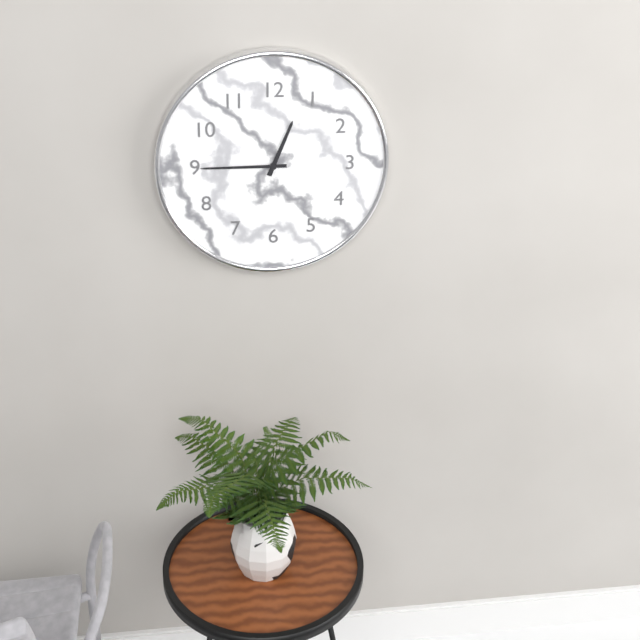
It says 12 h 45 min
